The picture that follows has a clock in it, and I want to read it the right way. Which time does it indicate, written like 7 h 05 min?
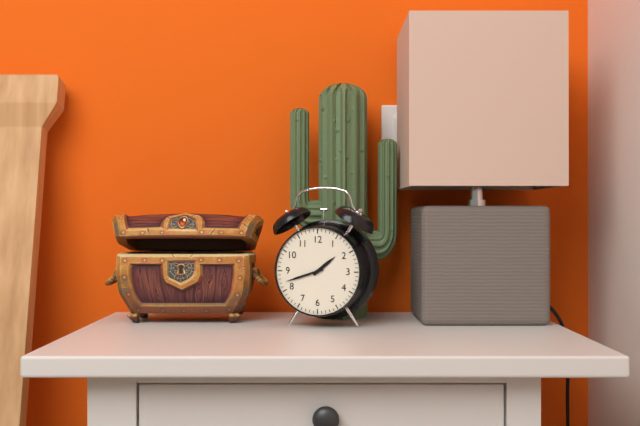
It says 1 h 42 min
